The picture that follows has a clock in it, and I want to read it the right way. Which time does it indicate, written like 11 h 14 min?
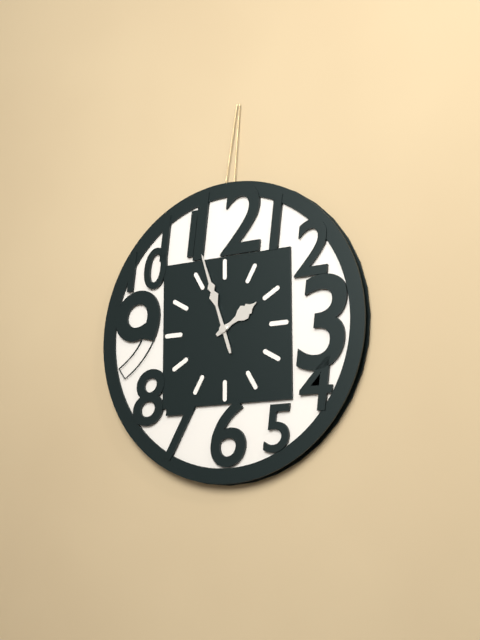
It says 1 h 57 min
